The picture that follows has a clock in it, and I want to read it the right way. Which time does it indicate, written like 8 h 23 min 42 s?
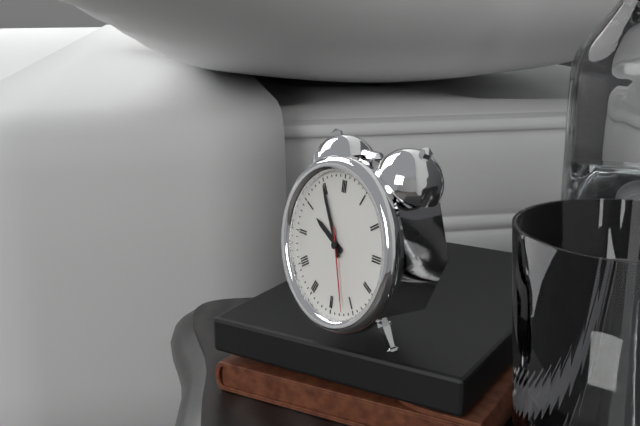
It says 9 h 55 min 27 s
